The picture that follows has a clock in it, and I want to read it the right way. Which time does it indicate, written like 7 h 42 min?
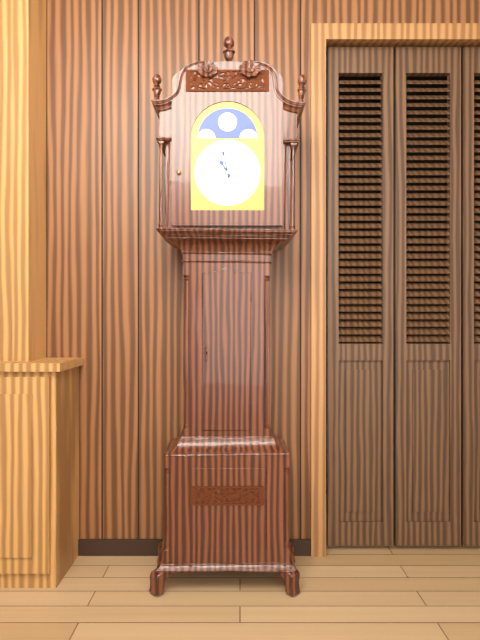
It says 10 h 58 min
